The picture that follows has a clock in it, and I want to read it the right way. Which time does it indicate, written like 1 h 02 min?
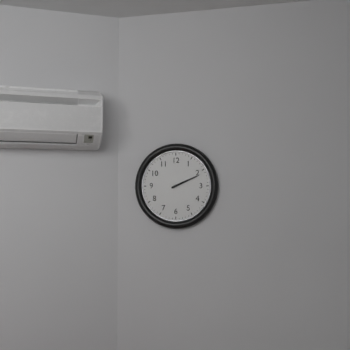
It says 2 h 11 min
